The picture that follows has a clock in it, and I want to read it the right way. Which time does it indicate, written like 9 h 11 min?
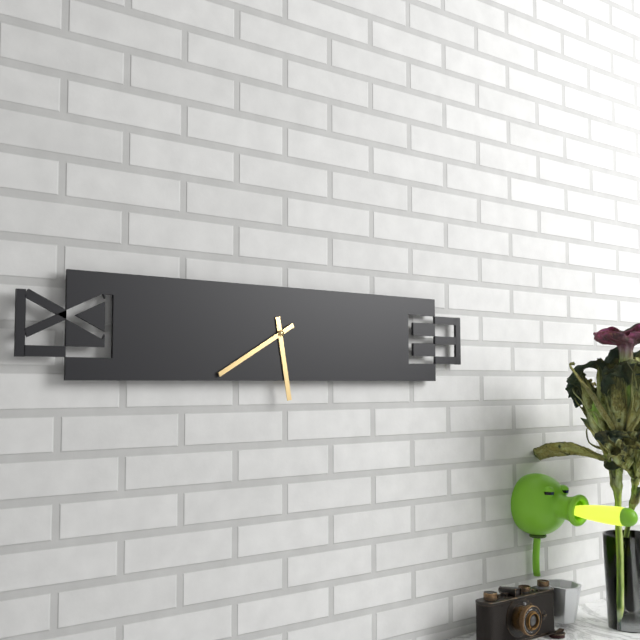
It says 5 h 40 min
